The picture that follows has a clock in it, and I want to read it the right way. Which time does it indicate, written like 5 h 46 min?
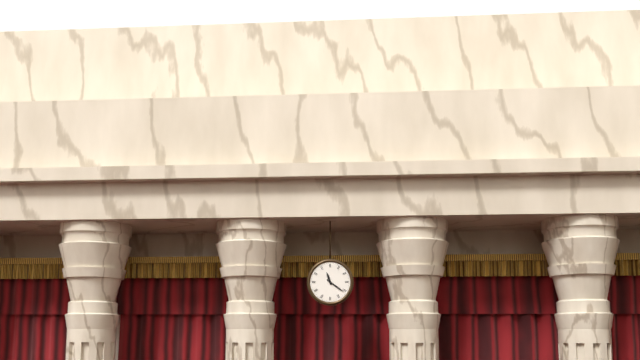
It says 11 h 21 min
